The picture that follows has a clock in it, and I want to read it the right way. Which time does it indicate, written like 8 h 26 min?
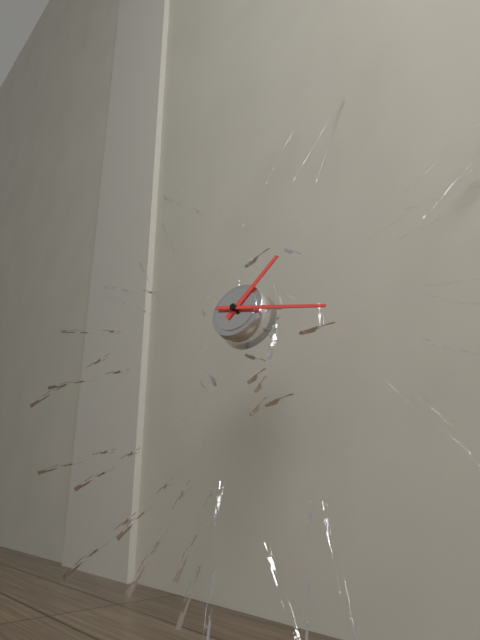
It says 1 h 17 min
